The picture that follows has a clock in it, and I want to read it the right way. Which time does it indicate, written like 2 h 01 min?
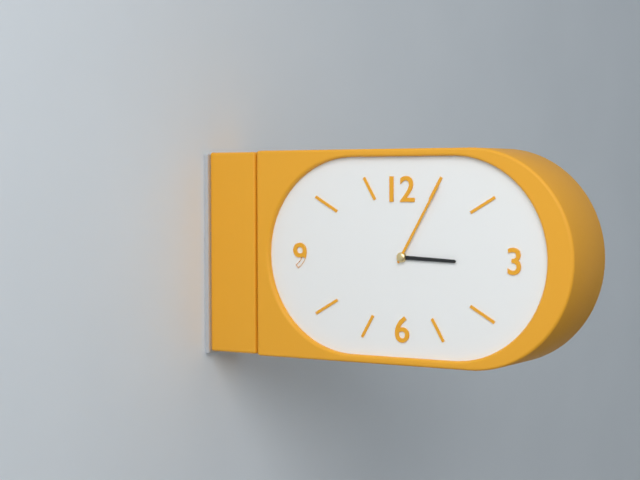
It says 3 h 05 min
